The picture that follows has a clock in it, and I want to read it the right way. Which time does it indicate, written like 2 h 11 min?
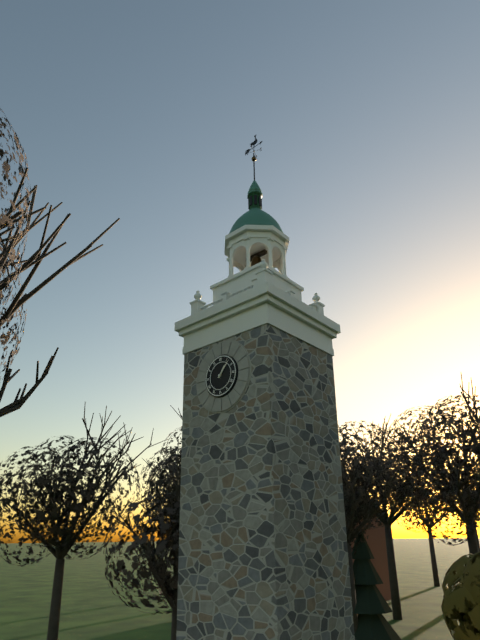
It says 1 h 07 min
